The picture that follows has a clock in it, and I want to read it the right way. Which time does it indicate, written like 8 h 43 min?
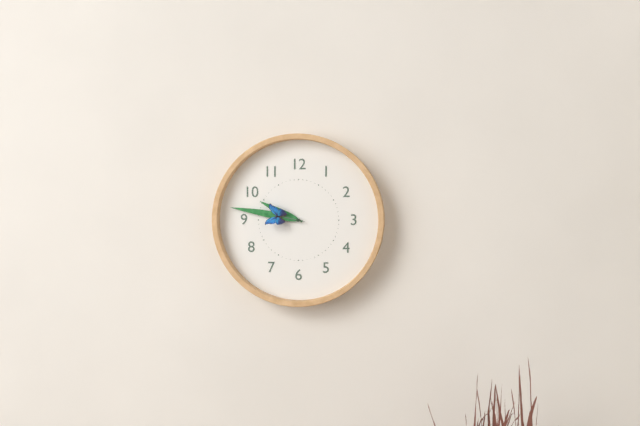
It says 9 h 47 min
